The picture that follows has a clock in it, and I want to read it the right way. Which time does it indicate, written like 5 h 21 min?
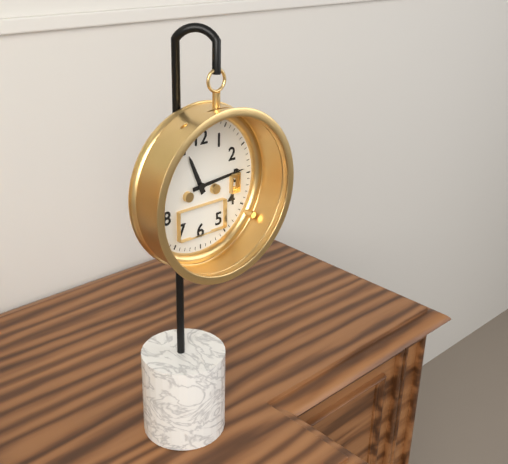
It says 11 h 14 min
